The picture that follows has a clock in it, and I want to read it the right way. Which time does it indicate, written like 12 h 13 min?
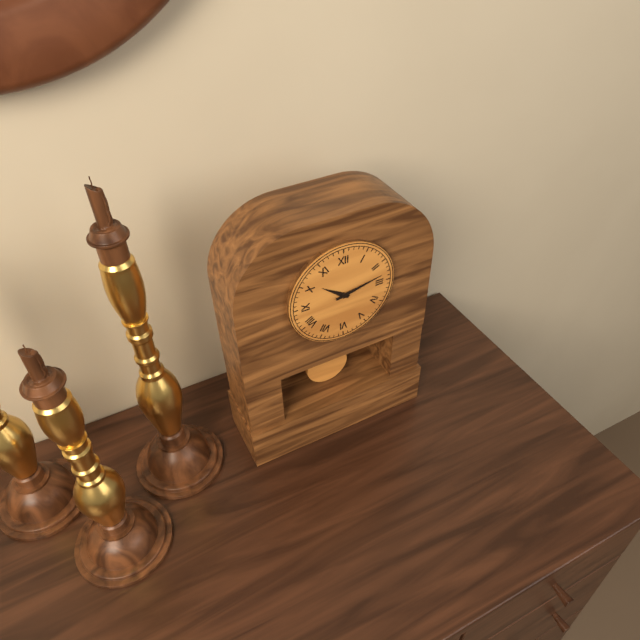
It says 10 h 13 min
